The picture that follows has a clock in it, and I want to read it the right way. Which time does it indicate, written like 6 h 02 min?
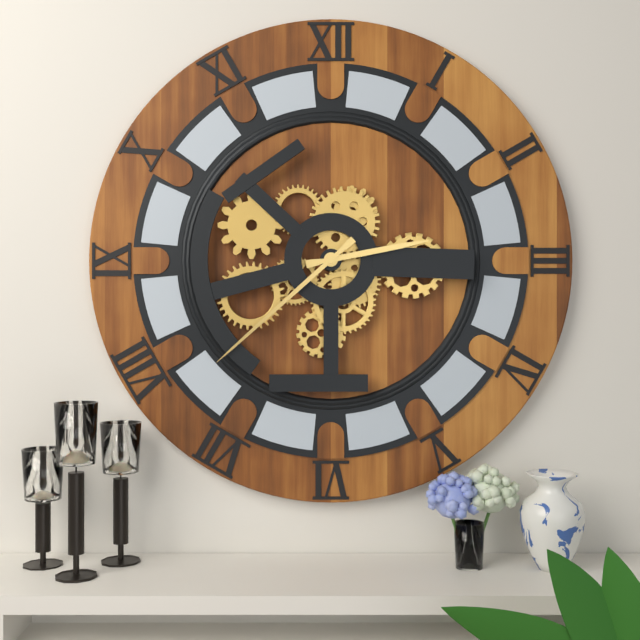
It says 2 h 38 min
